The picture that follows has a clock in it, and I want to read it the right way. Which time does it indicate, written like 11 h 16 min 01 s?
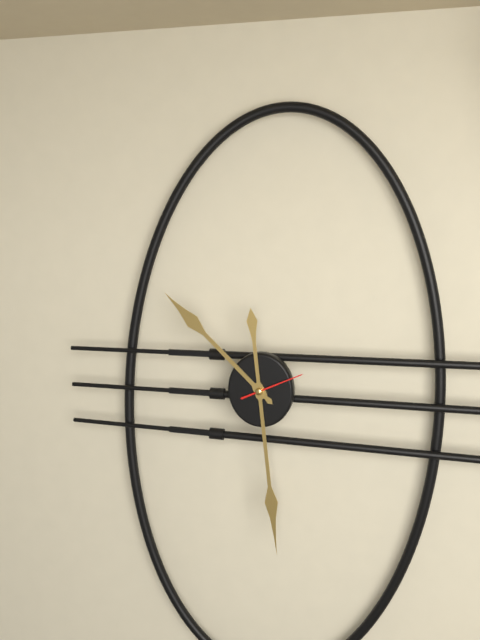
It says 10 h 29 min 11 s
